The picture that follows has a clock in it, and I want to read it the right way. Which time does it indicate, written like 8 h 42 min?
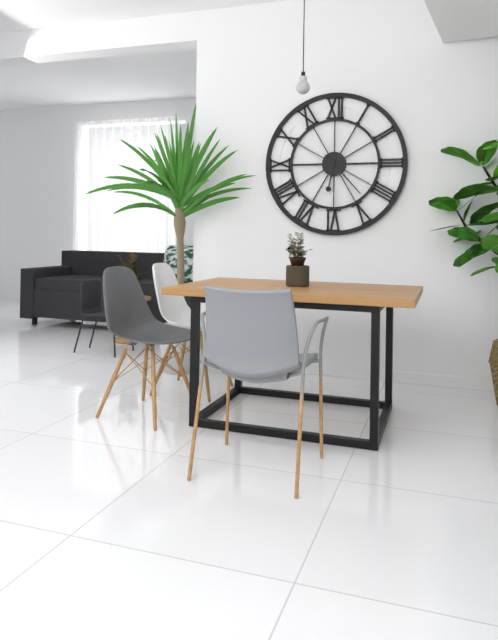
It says 6 h 23 min
